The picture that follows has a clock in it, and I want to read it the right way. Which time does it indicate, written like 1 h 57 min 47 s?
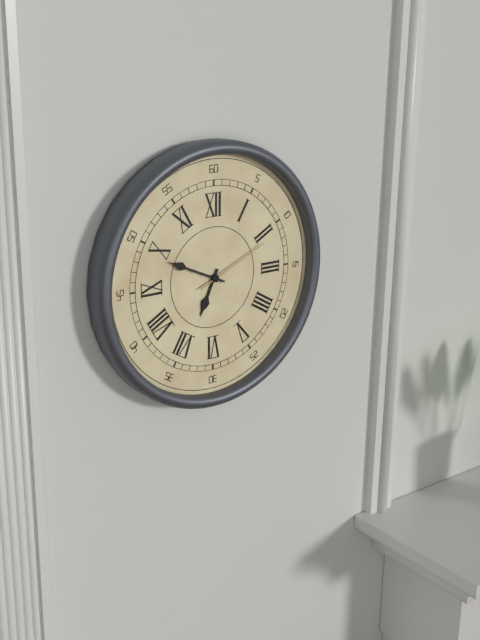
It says 6 h 49 min 11 s
